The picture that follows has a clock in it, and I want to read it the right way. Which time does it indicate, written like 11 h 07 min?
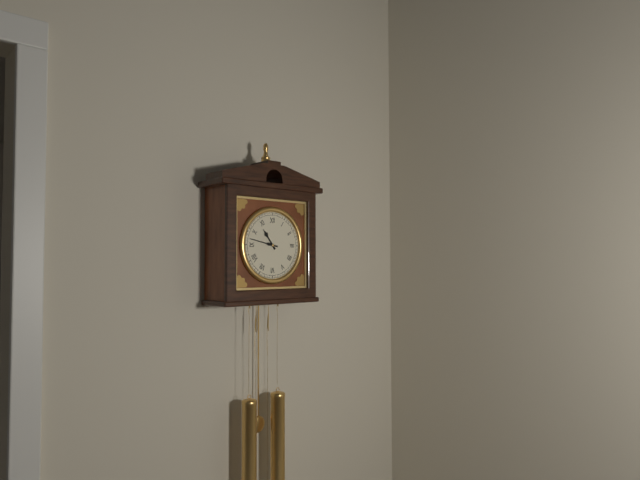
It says 10 h 47 min
